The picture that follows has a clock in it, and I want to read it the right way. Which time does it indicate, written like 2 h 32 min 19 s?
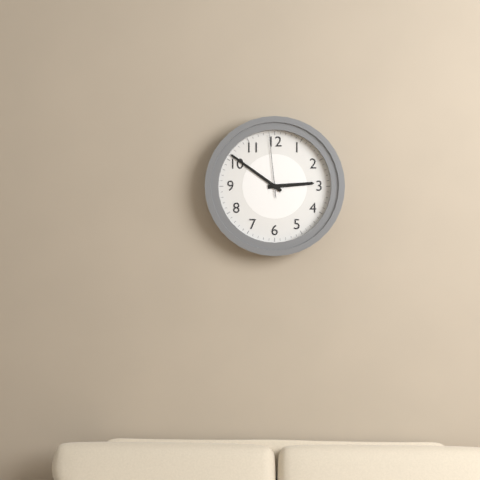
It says 2 h 51 min 59 s
